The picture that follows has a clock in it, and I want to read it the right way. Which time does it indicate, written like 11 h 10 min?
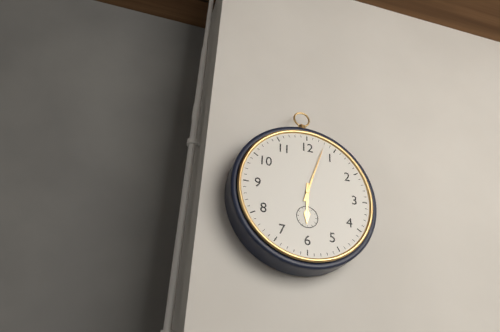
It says 6 h 03 min
